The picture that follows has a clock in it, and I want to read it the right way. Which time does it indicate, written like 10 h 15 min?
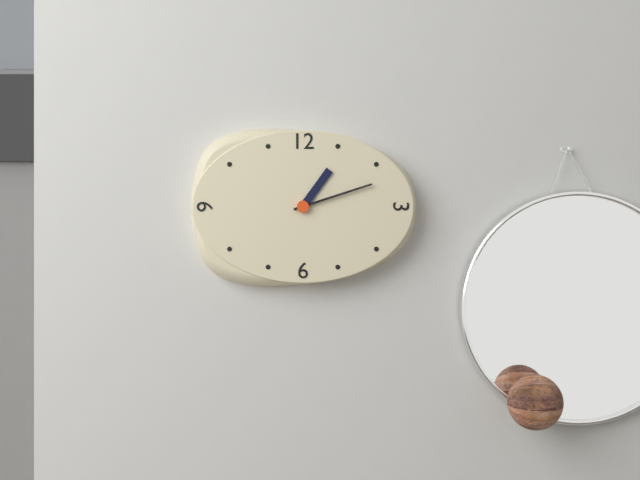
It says 1 h 12 min
